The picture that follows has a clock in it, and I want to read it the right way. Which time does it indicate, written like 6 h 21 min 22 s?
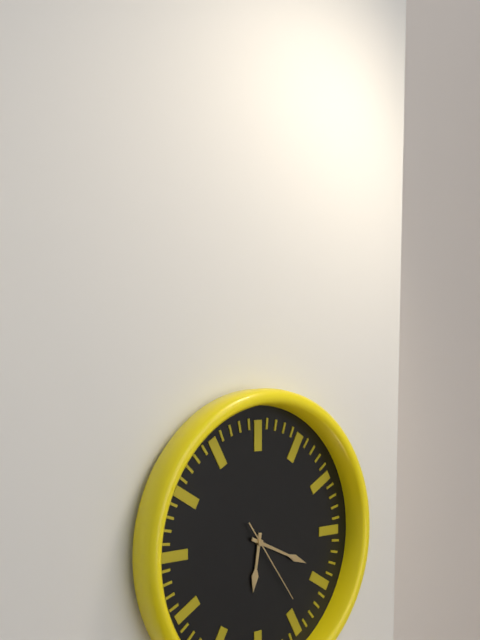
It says 6 h 19 min 24 s
